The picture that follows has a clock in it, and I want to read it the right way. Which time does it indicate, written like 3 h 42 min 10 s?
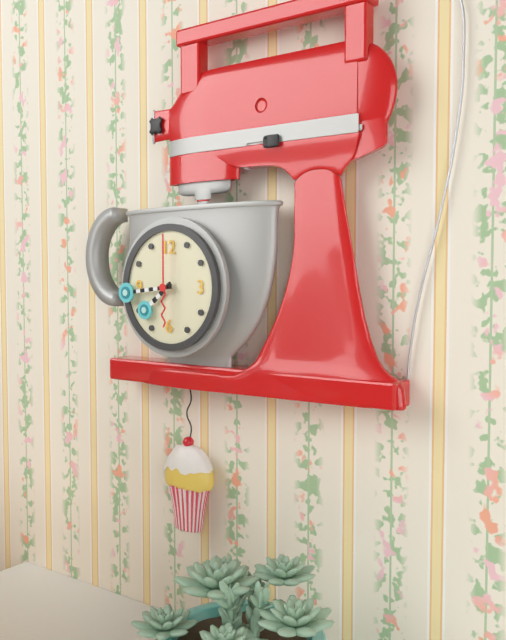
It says 7 h 44 min 00 s
